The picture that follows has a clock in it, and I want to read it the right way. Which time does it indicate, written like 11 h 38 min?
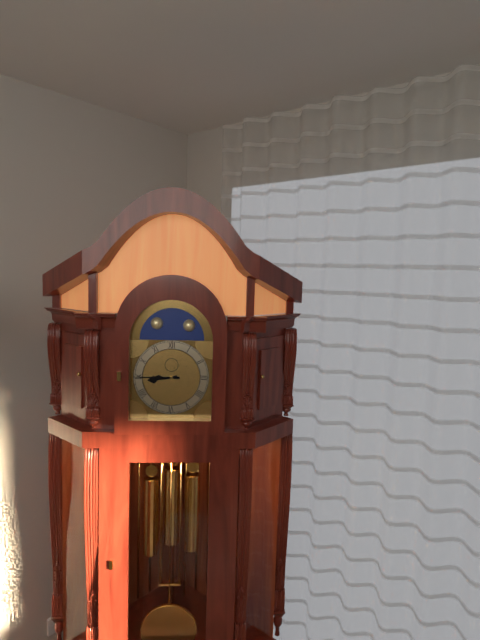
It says 8 h 45 min
